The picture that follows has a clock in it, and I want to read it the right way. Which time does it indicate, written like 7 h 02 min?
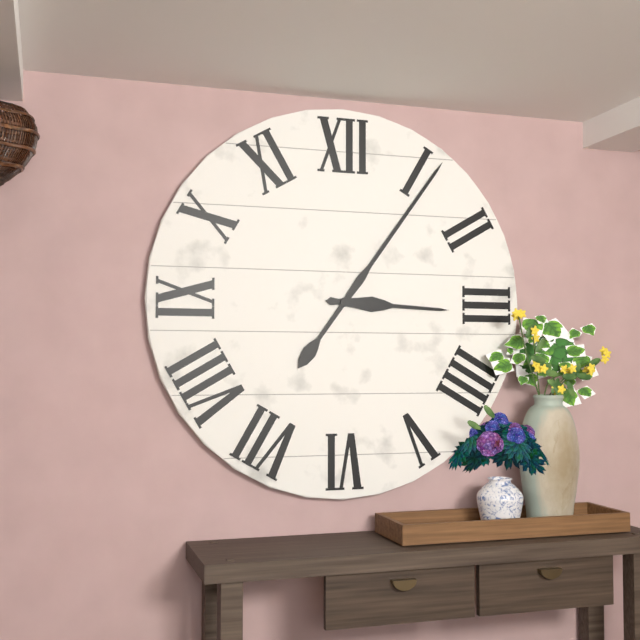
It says 3 h 06 min
